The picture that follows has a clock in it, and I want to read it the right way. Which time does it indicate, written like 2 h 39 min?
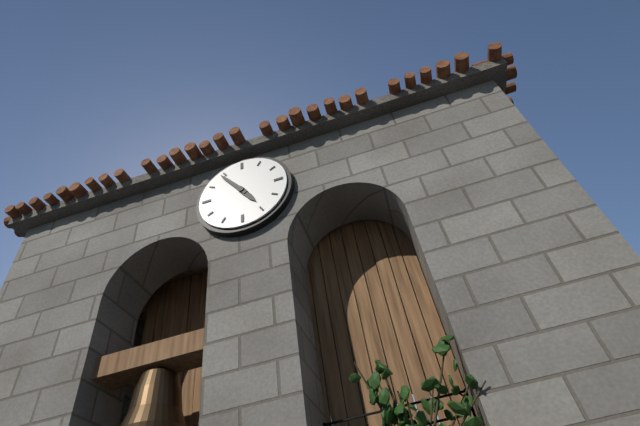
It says 4 h 54 min
